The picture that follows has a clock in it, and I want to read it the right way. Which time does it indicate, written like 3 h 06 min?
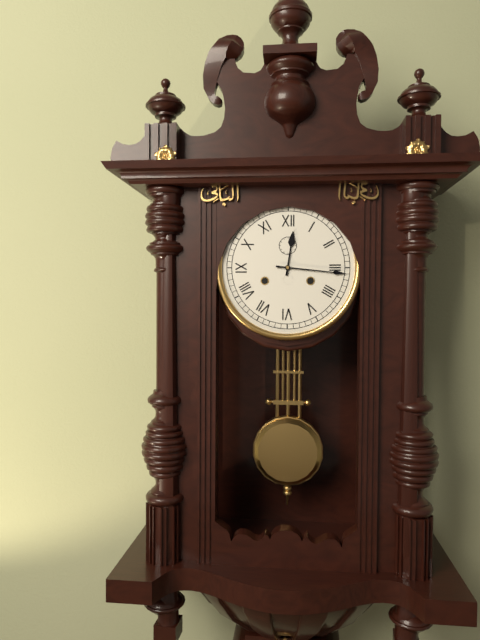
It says 12 h 16 min
